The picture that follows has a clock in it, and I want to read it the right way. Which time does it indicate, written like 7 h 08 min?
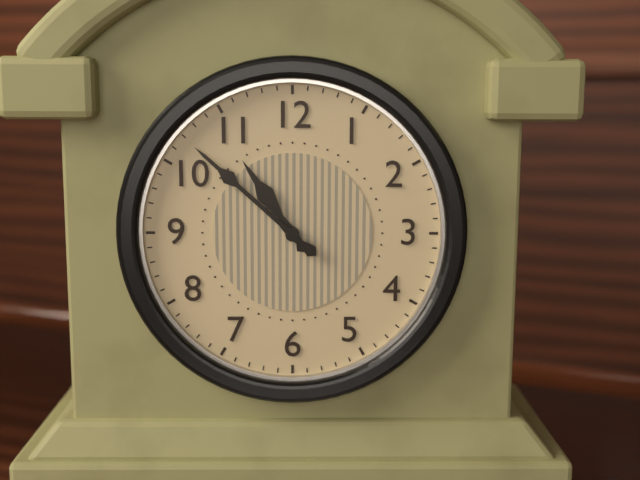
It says 10 h 52 min
